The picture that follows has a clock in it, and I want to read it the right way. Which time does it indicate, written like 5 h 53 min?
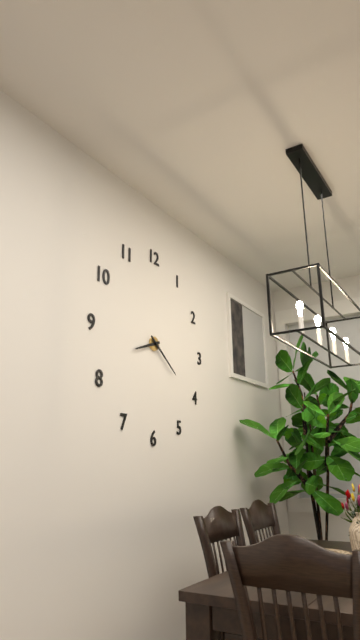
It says 8 h 21 min
